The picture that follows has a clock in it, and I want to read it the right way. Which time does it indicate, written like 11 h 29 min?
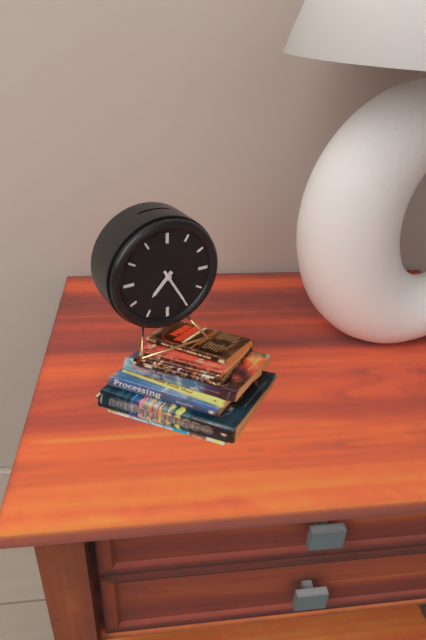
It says 7 h 25 min
